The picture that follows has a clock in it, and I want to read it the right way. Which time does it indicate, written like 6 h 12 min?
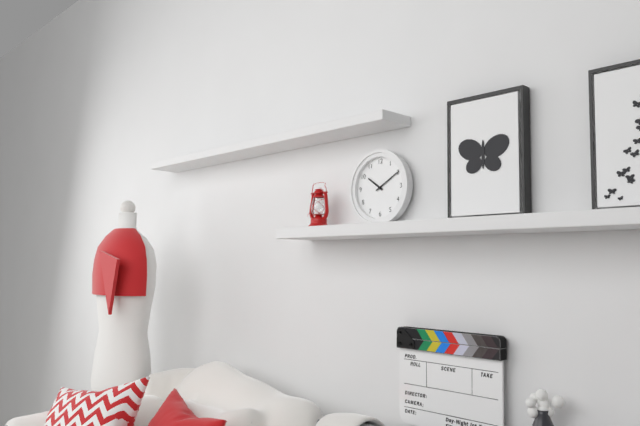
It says 10 h 10 min
